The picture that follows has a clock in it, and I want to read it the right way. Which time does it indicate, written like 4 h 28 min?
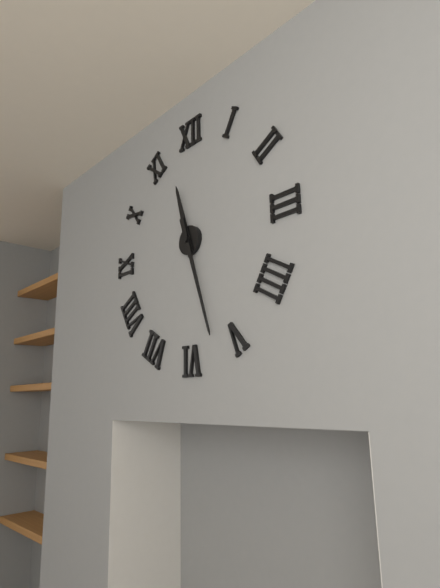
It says 11 h 27 min
